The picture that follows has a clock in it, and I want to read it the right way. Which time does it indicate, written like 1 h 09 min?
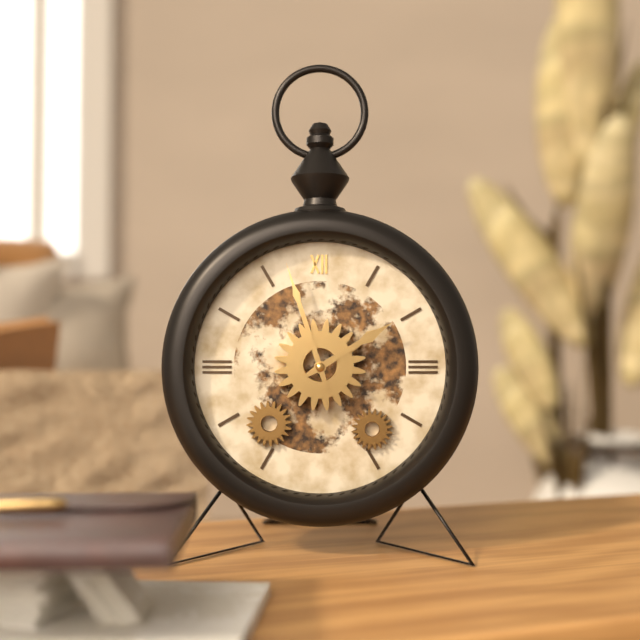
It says 1 h 57 min
